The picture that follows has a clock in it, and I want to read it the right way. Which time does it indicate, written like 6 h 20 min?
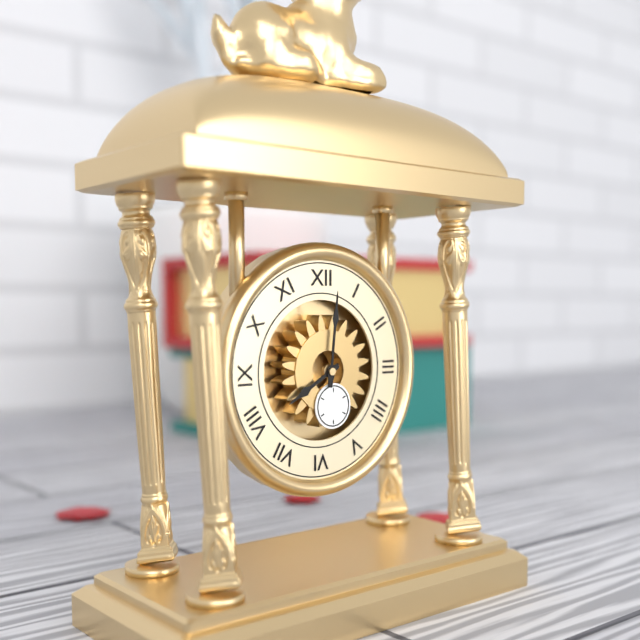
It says 8 h 01 min
